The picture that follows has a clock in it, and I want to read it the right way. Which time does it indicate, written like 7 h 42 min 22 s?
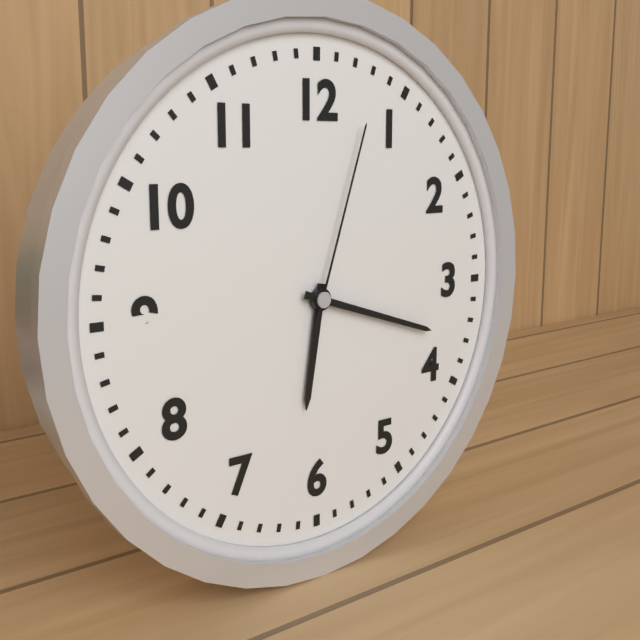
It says 6 h 18 min 03 s
